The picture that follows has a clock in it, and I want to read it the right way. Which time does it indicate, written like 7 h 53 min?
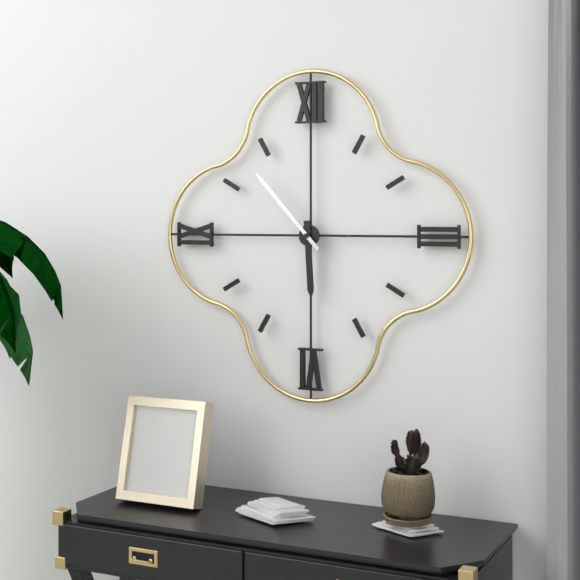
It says 5 h 53 min
